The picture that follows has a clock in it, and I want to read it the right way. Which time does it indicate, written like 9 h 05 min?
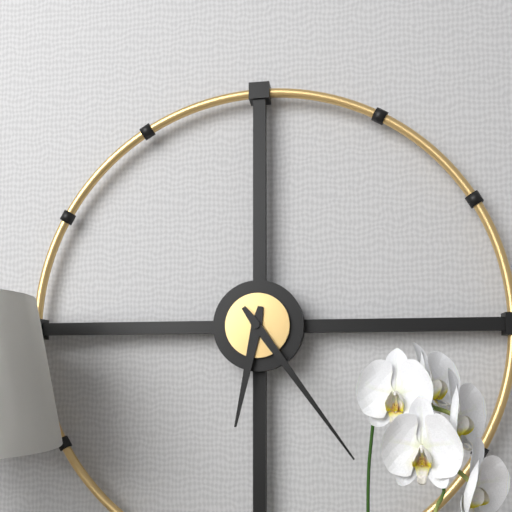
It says 6 h 24 min
